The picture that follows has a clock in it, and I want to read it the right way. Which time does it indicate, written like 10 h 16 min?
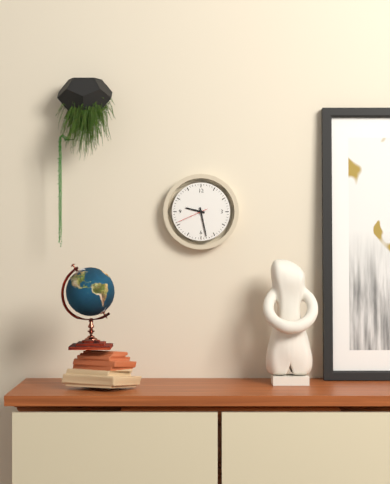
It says 9 h 28 min
